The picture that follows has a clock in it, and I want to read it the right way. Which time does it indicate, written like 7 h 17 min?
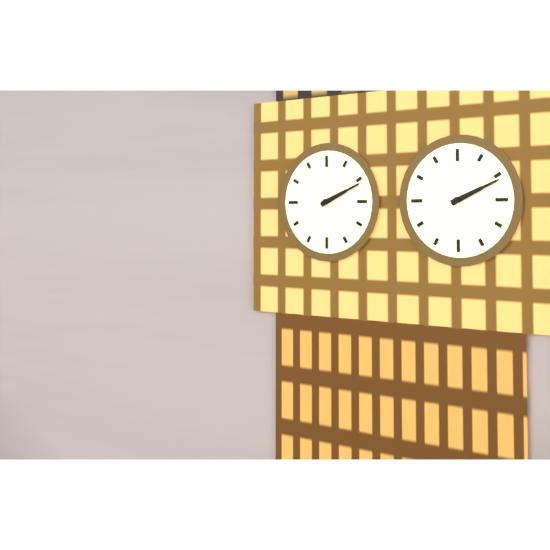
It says 2 h 11 min
